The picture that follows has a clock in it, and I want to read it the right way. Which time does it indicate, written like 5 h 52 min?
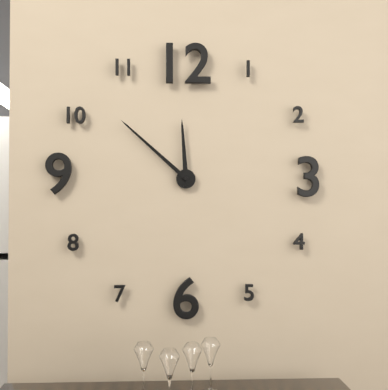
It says 11 h 52 min
